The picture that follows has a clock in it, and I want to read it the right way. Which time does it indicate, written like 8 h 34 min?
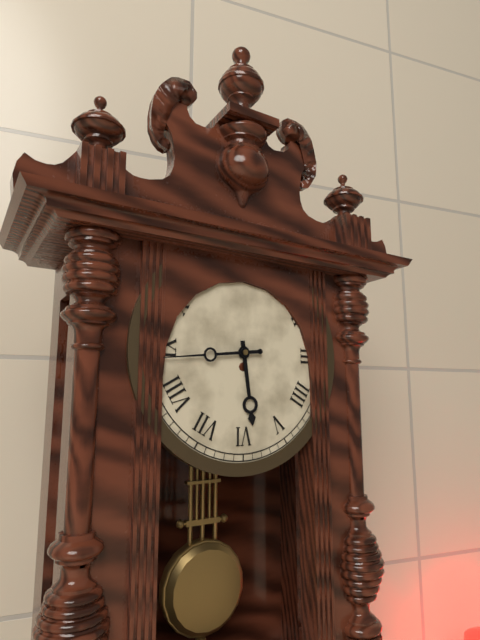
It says 5 h 44 min
